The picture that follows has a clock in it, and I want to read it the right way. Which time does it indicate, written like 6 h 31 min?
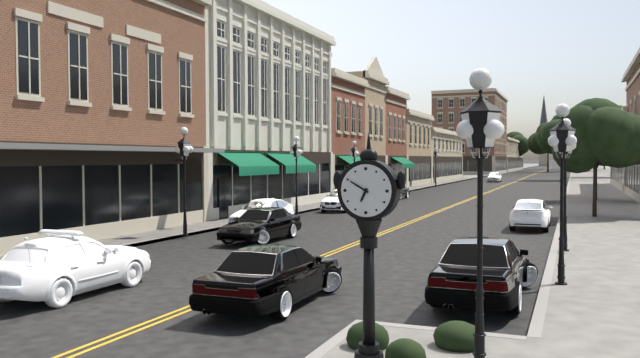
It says 6 h 50 min
